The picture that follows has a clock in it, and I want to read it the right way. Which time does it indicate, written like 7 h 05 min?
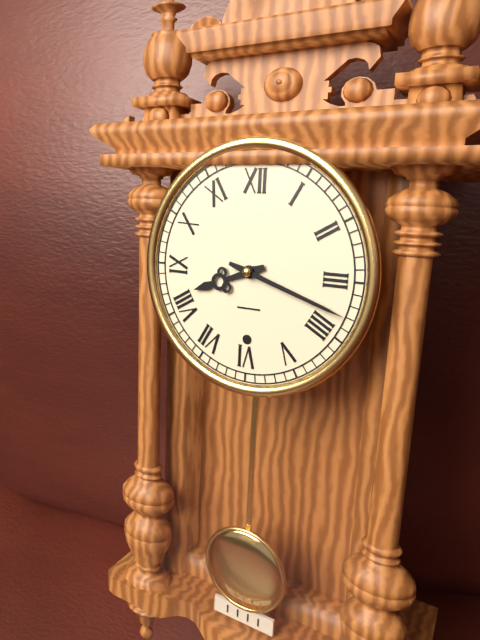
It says 8 h 18 min
